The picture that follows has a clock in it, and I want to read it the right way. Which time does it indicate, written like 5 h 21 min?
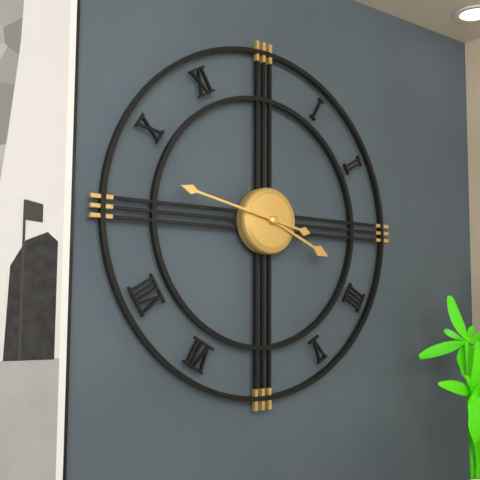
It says 3 h 47 min
